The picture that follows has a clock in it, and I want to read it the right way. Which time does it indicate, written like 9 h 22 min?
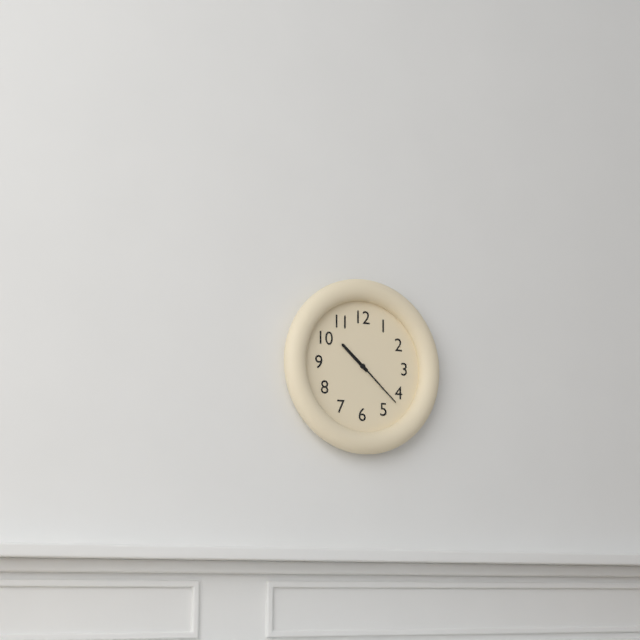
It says 10 h 22 min
